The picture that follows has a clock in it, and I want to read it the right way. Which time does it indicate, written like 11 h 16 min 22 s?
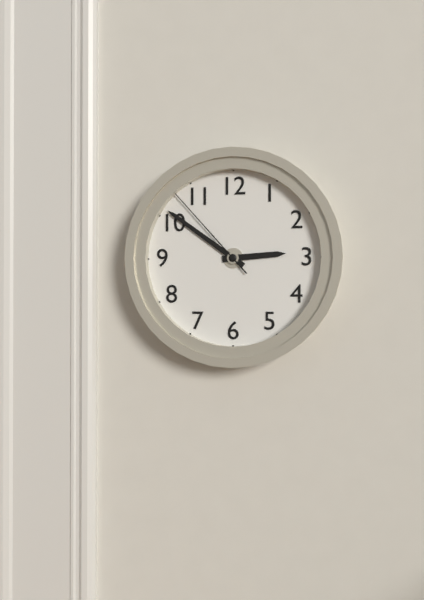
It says 2 h 51 min 53 s
